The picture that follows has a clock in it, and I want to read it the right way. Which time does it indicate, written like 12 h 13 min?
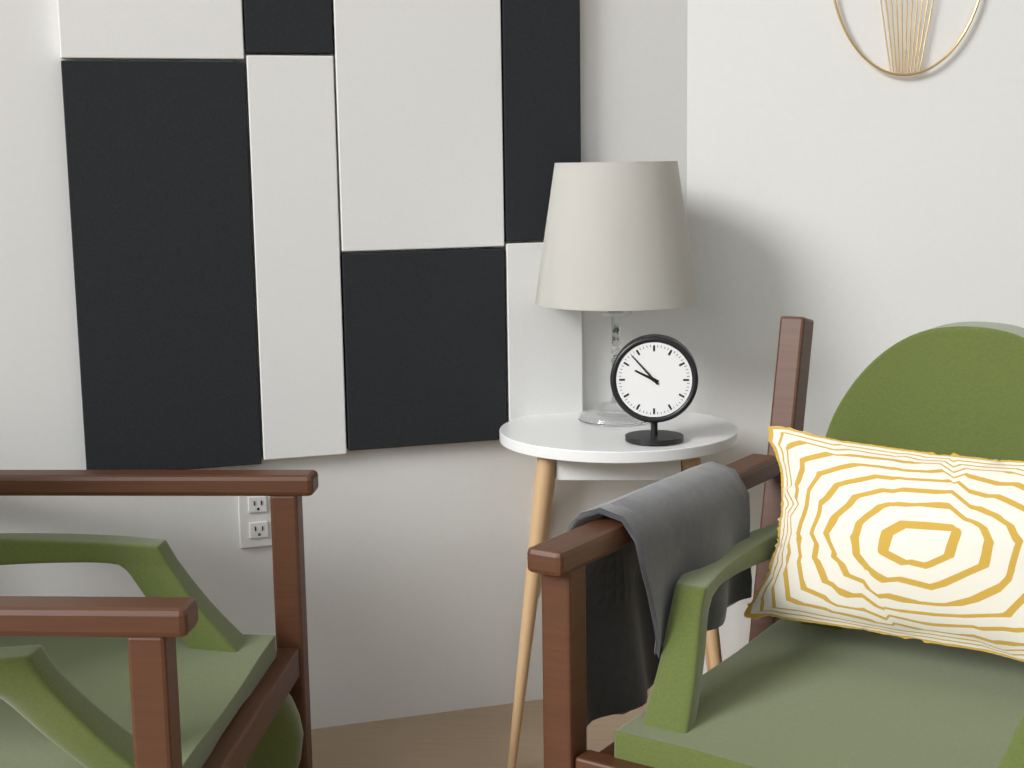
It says 9 h 53 min
